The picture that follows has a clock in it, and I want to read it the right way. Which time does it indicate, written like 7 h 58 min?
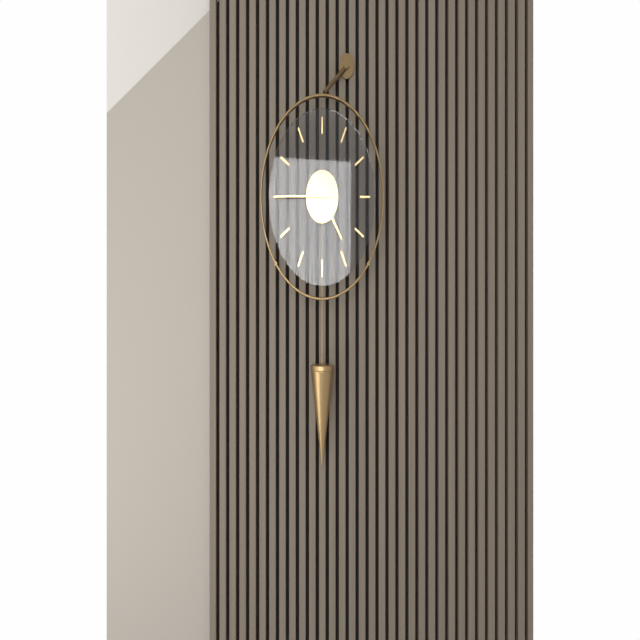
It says 4 h 45 min
